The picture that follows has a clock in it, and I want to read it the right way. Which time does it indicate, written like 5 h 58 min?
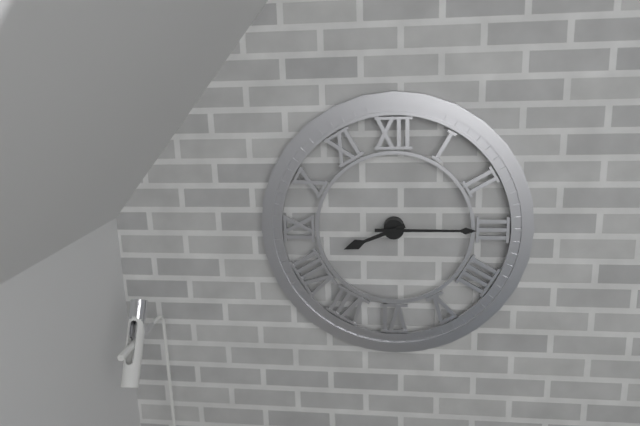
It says 8 h 15 min
